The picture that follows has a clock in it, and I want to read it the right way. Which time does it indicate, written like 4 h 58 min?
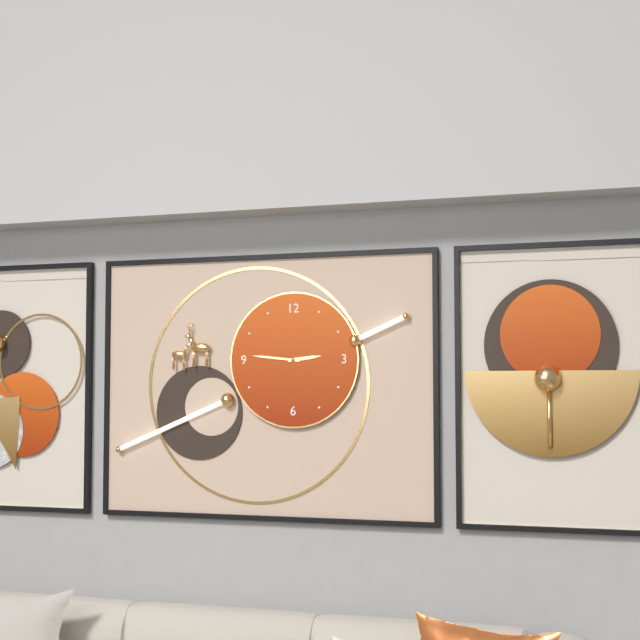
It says 2 h 46 min
